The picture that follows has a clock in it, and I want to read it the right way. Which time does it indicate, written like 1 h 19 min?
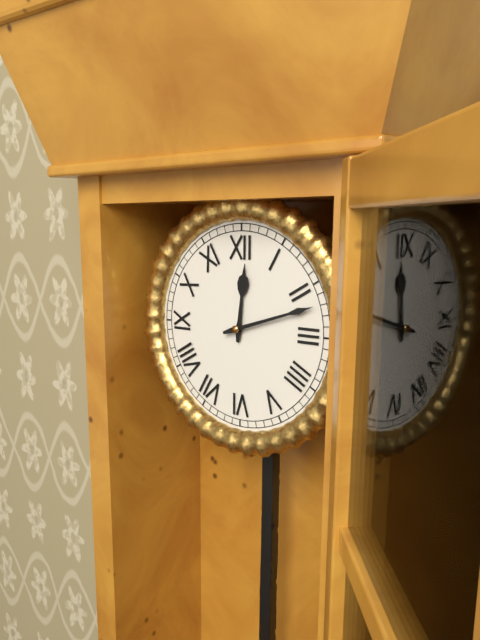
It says 12 h 12 min
